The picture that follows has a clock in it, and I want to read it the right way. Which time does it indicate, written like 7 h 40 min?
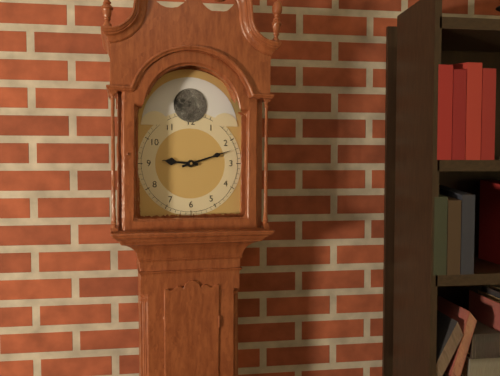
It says 9 h 12 min
